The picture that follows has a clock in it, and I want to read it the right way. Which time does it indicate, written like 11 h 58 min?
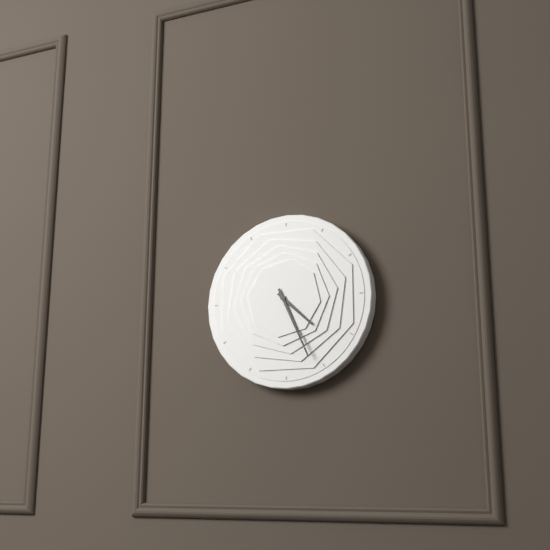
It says 4 h 26 min
